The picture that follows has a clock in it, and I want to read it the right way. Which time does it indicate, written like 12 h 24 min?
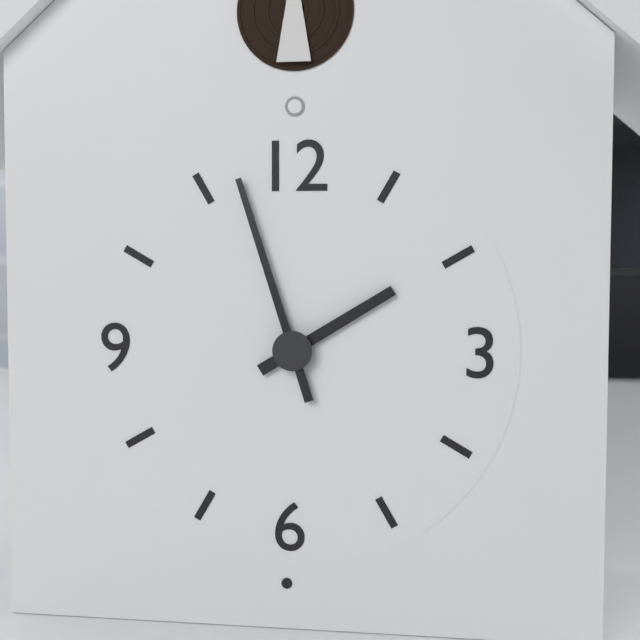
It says 1 h 57 min
